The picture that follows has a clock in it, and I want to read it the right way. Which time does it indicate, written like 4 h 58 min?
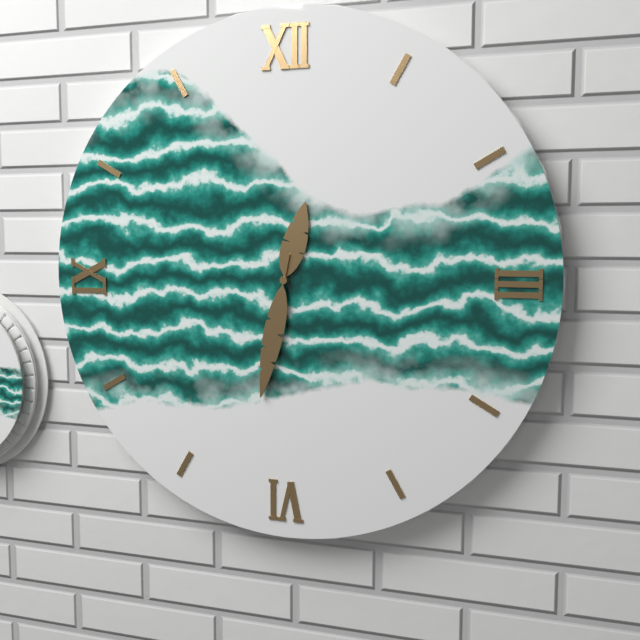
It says 12 h 32 min
